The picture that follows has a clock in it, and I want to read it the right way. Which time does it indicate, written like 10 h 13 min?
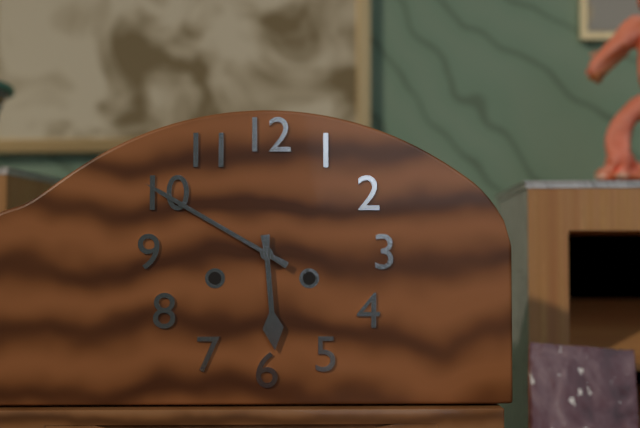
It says 5 h 50 min
